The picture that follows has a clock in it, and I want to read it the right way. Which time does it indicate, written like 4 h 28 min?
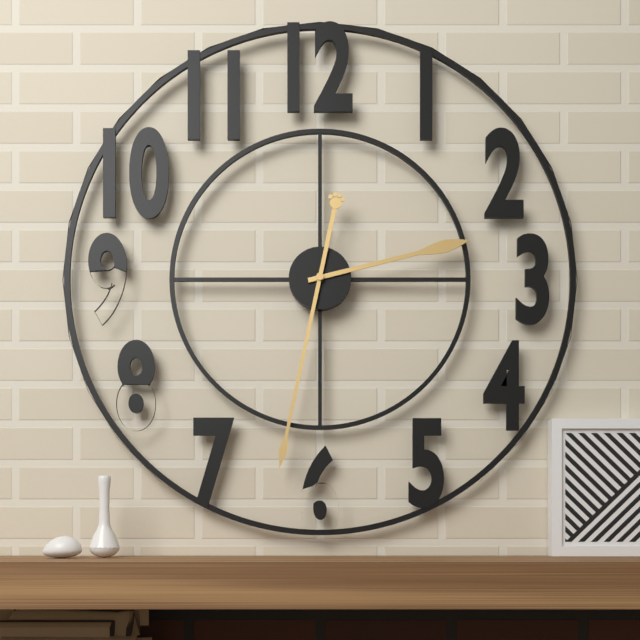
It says 2 h 32 min
